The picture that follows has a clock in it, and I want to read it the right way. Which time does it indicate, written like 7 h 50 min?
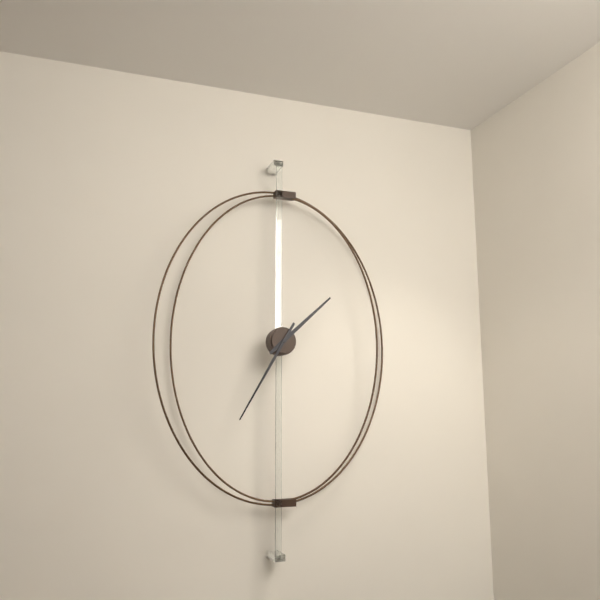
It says 1 h 35 min
